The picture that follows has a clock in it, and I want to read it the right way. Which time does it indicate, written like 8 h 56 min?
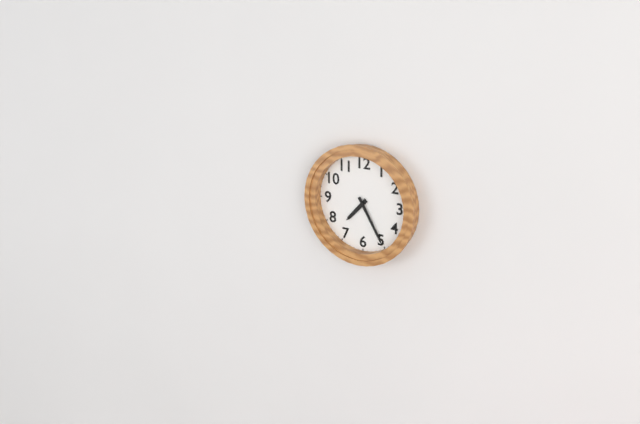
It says 7 h 25 min
